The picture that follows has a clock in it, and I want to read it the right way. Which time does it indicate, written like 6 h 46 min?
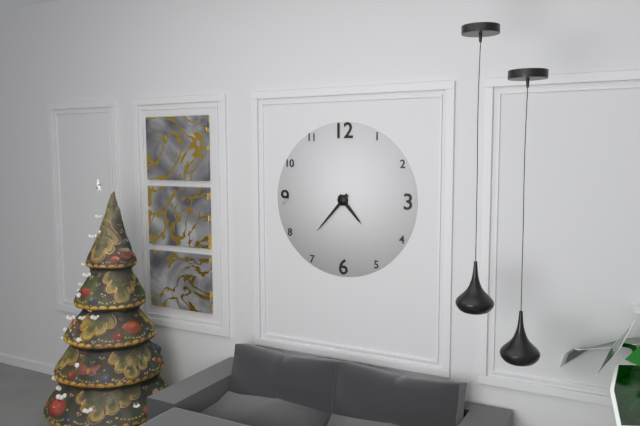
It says 4 h 37 min
